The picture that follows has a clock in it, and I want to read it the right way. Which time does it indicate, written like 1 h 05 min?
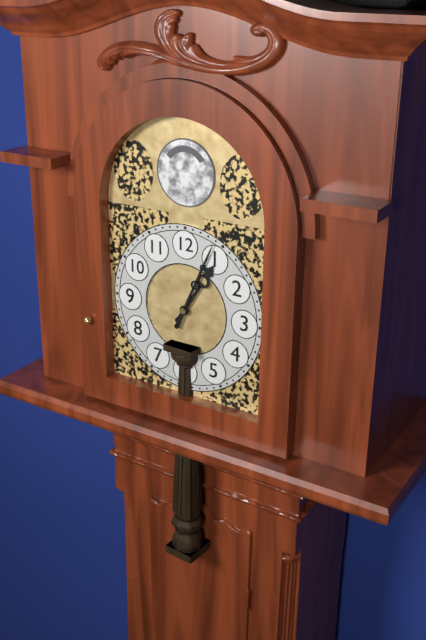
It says 1 h 04 min
